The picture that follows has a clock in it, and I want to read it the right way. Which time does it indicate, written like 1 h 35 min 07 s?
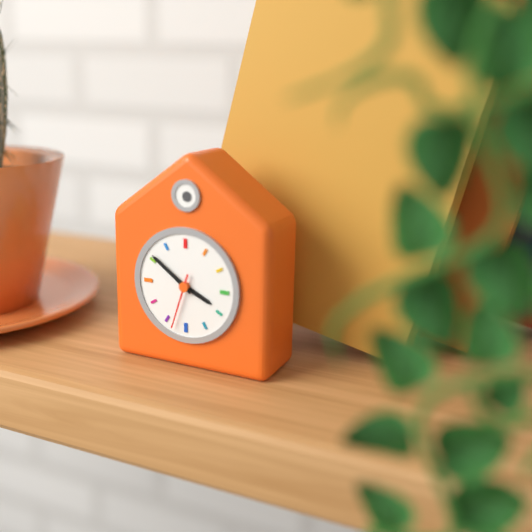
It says 3 h 51 min 33 s
